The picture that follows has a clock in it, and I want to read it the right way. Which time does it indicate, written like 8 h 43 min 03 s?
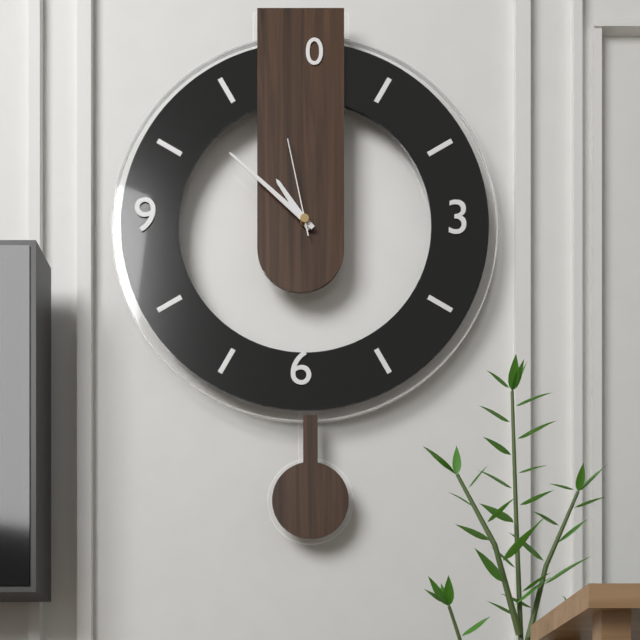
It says 10 h 52 min 58 s
